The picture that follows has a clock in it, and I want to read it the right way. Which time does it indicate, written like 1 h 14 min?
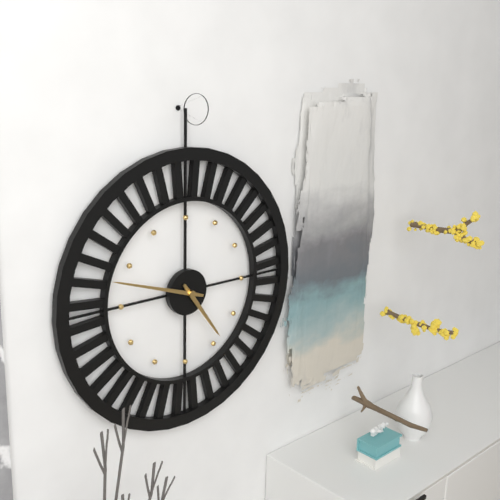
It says 4 h 48 min
